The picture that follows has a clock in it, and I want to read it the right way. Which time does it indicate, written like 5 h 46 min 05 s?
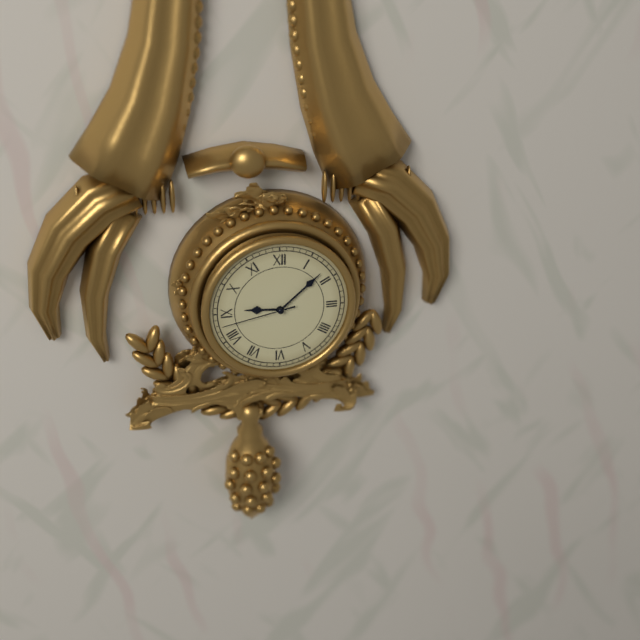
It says 9 h 08 min 43 s
